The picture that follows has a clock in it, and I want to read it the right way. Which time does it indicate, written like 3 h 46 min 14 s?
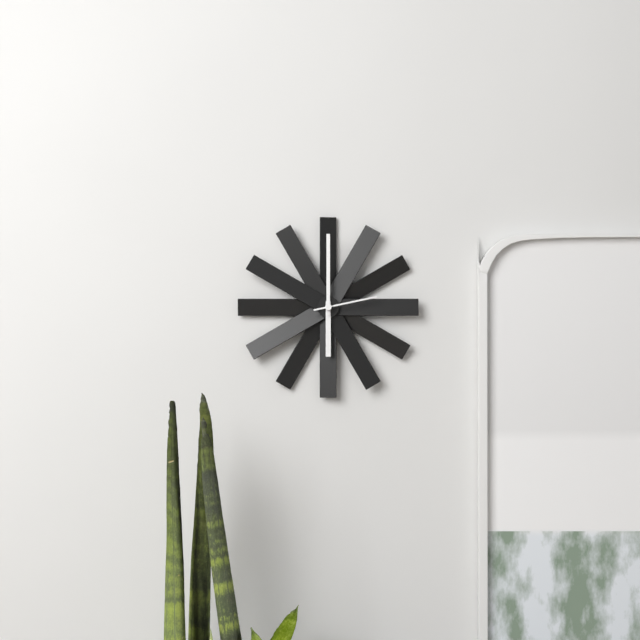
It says 6 h 00 min 13 s
